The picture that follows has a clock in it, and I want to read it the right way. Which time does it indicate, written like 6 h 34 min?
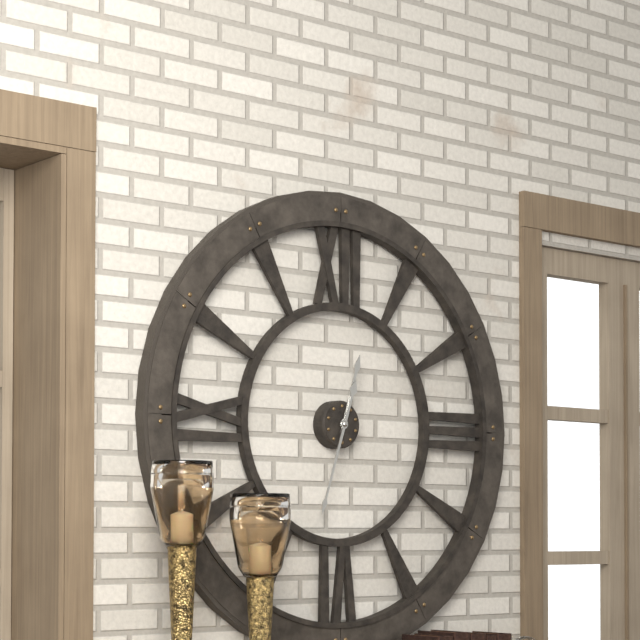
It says 12 h 33 min
